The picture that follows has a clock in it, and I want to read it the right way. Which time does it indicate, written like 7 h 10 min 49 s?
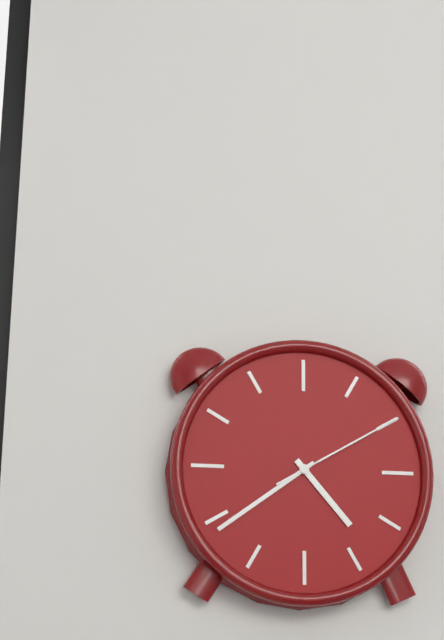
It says 4 h 39 min 10 s
